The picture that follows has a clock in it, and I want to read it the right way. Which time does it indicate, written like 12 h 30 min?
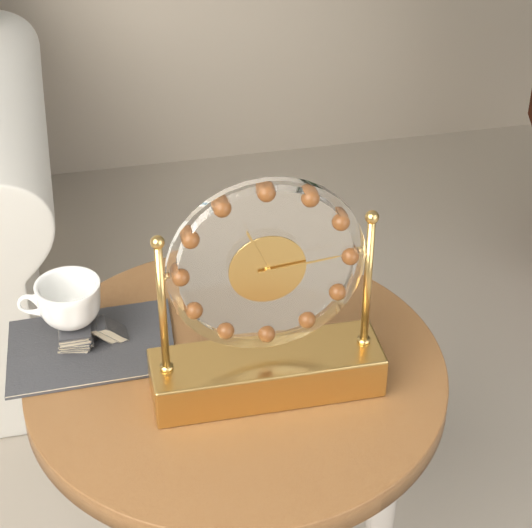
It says 11 h 14 min
